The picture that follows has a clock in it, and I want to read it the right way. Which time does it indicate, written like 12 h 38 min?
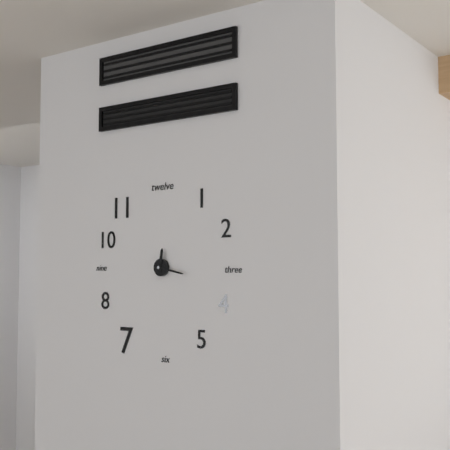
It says 12 h 17 min
